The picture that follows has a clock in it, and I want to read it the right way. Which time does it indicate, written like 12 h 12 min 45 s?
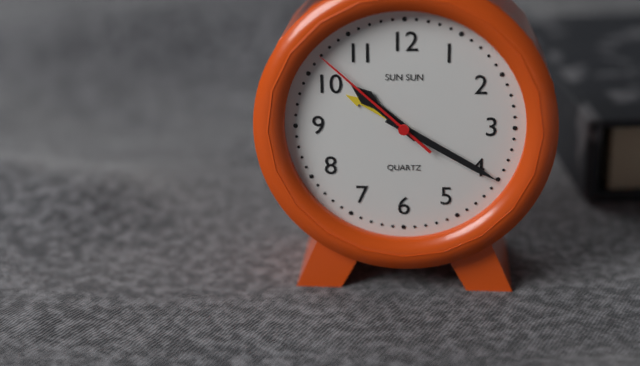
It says 10 h 20 min 52 s
